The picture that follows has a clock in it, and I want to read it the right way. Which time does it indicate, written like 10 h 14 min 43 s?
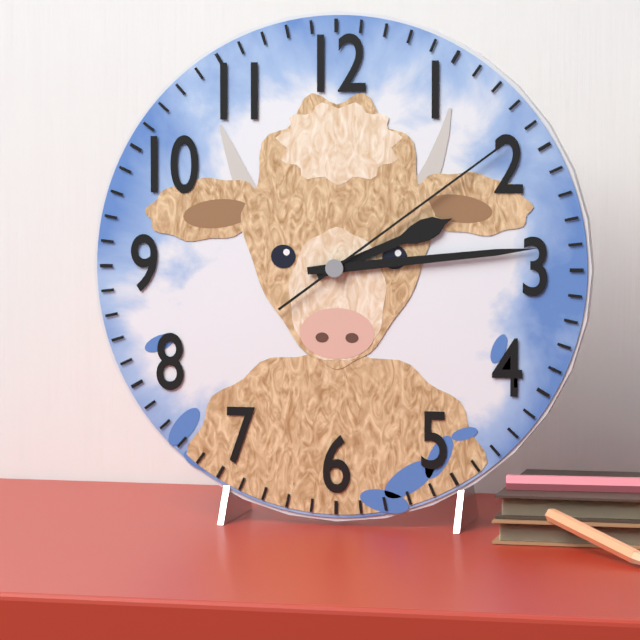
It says 2 h 14 min 09 s
